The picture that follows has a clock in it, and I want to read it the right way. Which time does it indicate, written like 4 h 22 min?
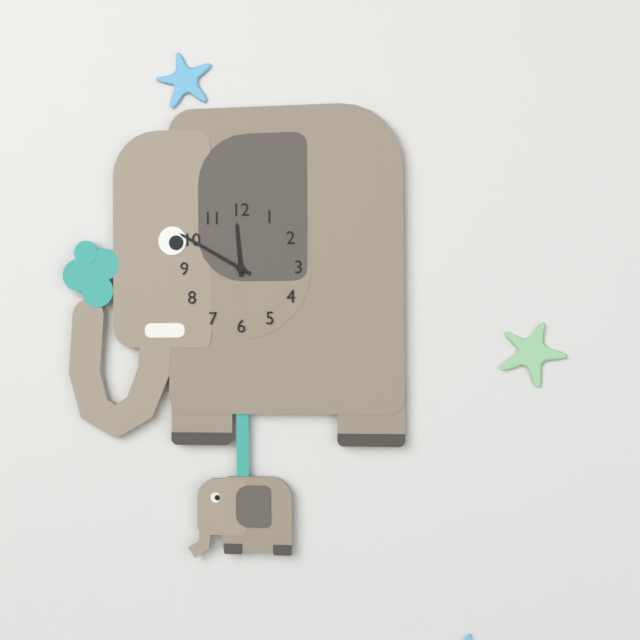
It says 11 h 50 min
